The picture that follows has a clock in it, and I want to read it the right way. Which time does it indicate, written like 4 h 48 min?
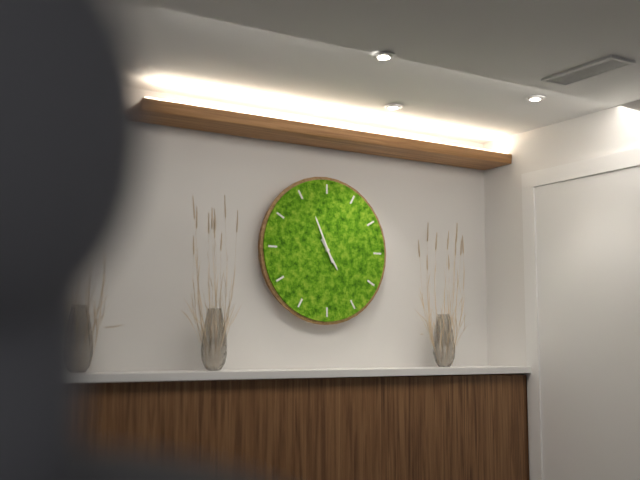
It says 4 h 56 min
